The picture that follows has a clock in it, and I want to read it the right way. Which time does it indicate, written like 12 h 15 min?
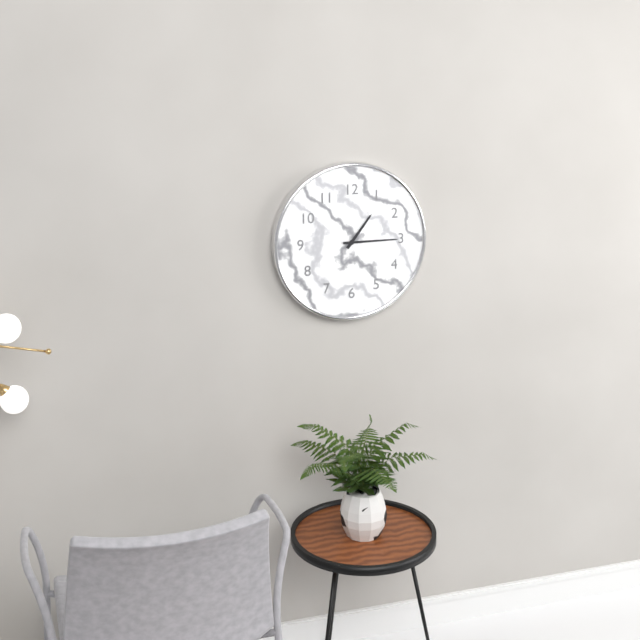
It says 1 h 15 min
